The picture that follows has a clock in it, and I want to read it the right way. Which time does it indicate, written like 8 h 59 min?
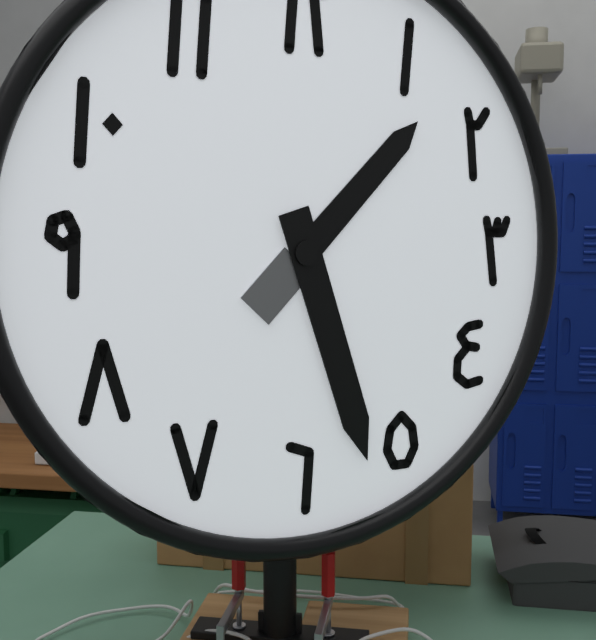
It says 1 h 27 min
